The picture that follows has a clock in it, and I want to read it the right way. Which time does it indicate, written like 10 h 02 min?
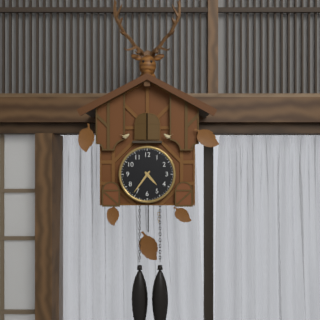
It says 4 h 36 min
